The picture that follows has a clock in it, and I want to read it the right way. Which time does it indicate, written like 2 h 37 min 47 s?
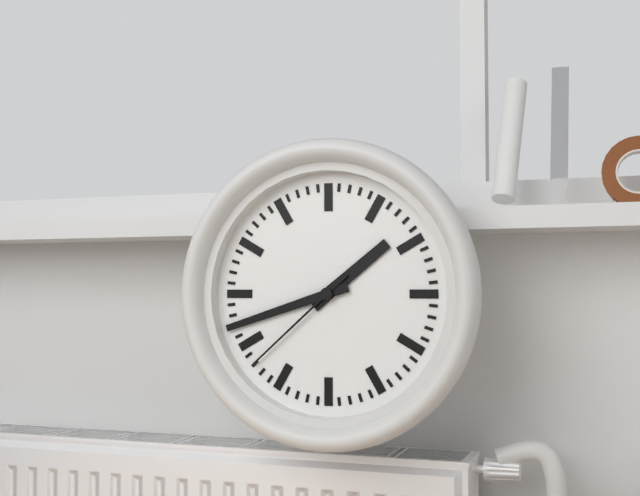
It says 1 h 42 min 38 s
